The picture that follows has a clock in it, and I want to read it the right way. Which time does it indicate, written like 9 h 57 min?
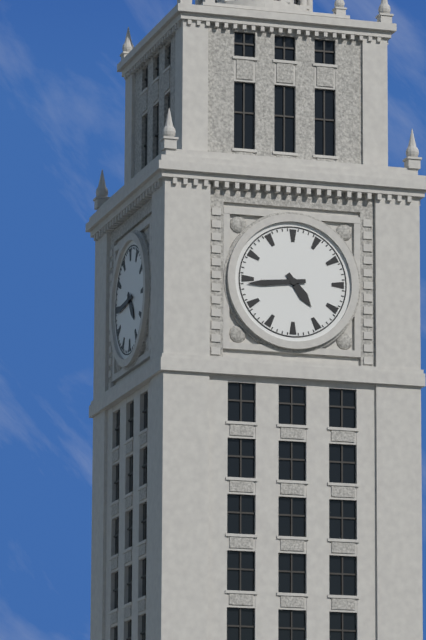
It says 4 h 44 min
